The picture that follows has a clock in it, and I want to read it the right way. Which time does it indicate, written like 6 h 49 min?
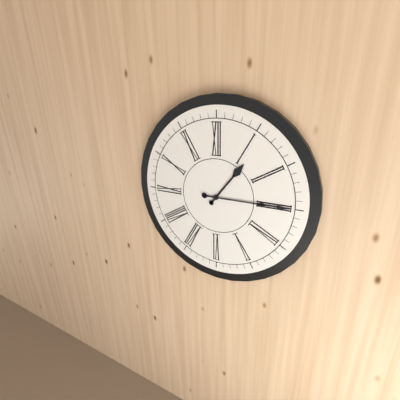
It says 1 h 15 min
